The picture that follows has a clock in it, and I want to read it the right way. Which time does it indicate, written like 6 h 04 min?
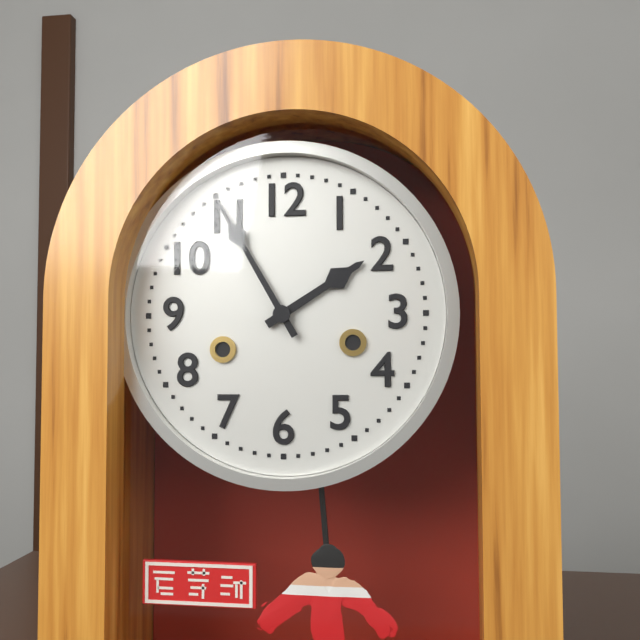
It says 1 h 55 min
